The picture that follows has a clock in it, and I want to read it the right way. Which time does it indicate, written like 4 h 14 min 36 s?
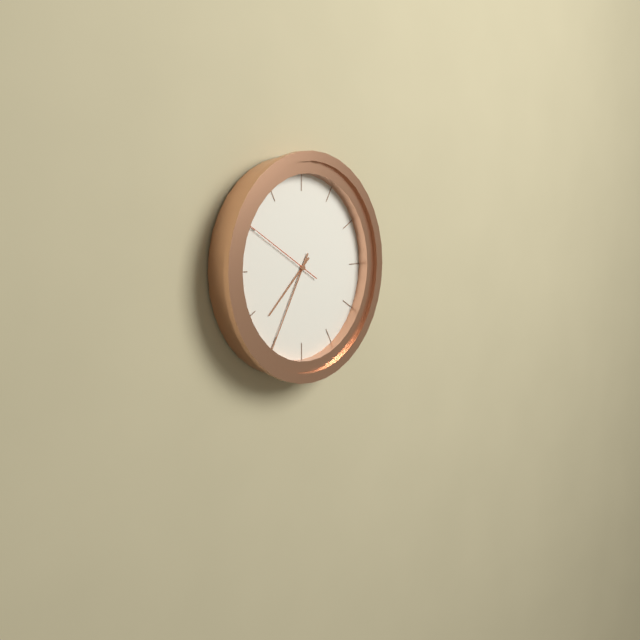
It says 7 h 35 min 50 s
